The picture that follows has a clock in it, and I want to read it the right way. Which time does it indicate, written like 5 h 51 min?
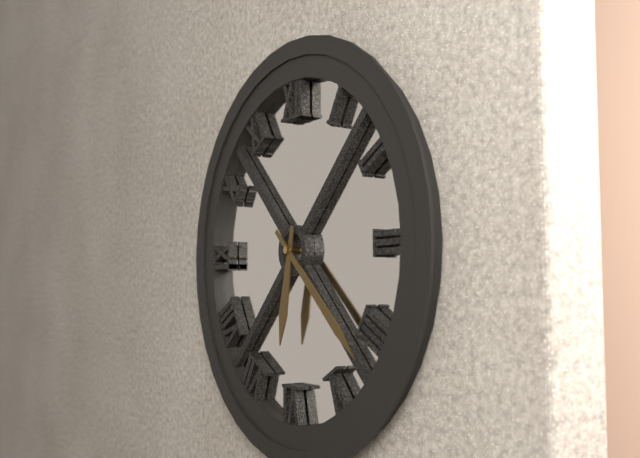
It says 6 h 22 min
